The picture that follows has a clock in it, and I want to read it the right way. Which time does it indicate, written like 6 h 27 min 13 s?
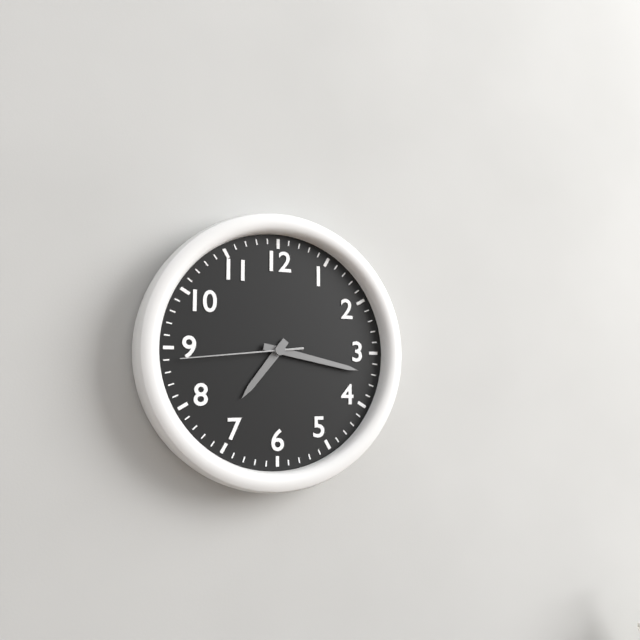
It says 7 h 17 min 44 s
